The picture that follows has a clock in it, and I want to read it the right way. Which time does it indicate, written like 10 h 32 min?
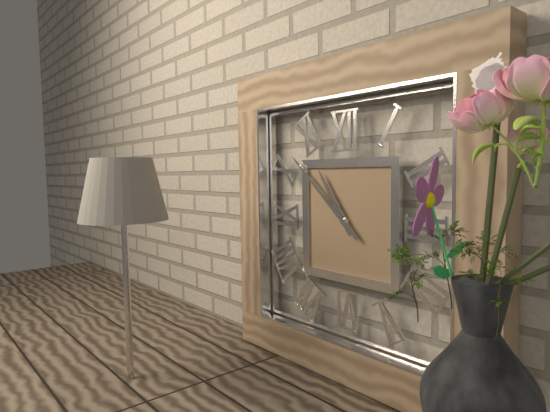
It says 10 h 52 min
